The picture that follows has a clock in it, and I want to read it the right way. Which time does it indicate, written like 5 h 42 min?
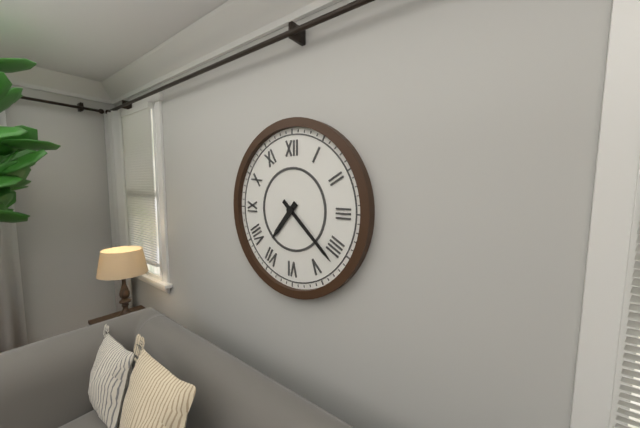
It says 7 h 22 min
